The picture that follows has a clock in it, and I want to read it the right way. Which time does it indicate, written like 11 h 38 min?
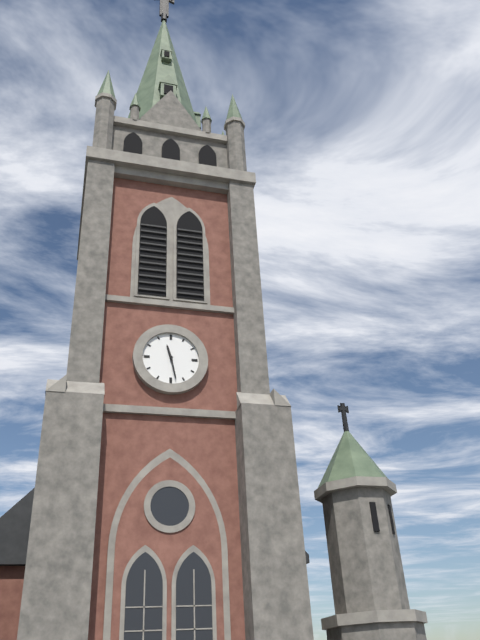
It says 11 h 28 min
